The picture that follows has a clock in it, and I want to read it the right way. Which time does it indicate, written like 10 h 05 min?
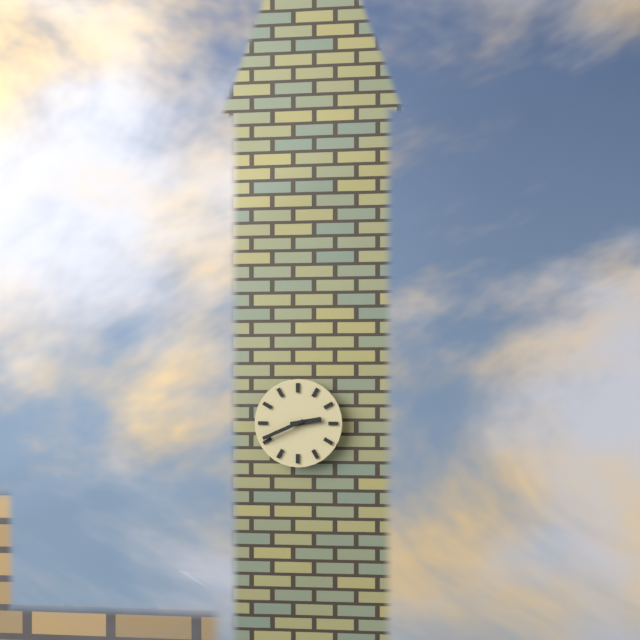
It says 2 h 41 min
